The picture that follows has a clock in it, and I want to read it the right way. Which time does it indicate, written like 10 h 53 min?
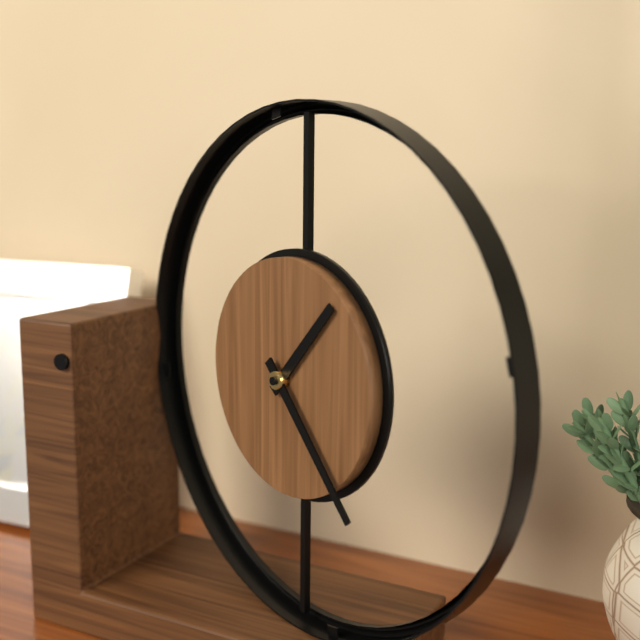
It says 1 h 23 min
